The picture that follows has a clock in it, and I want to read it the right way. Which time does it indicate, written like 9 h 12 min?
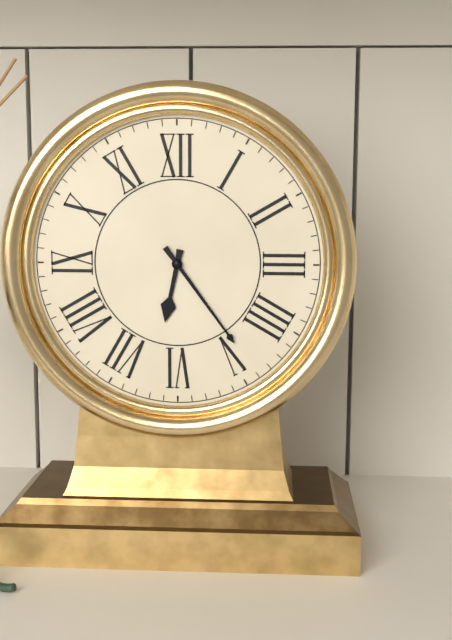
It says 6 h 24 min
